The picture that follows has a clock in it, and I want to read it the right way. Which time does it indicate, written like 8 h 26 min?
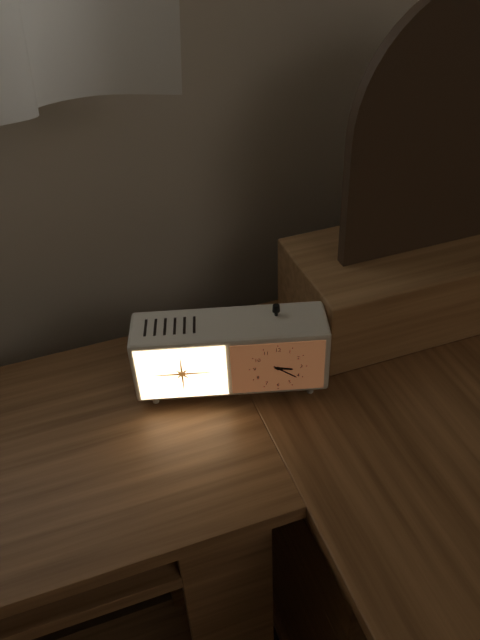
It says 3 h 21 min
